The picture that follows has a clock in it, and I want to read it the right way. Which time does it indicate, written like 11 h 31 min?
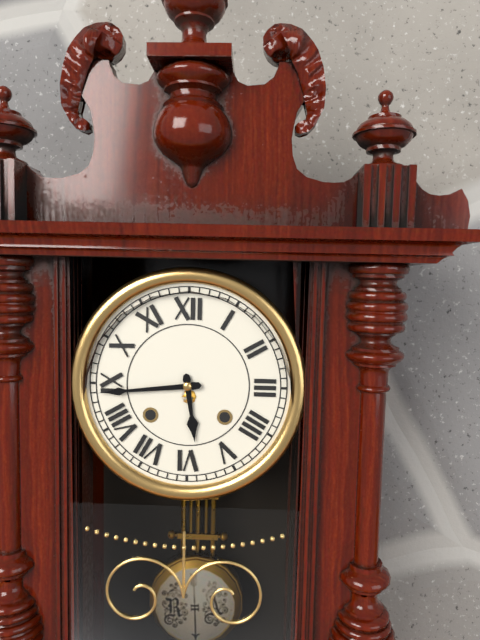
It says 5 h 44 min
